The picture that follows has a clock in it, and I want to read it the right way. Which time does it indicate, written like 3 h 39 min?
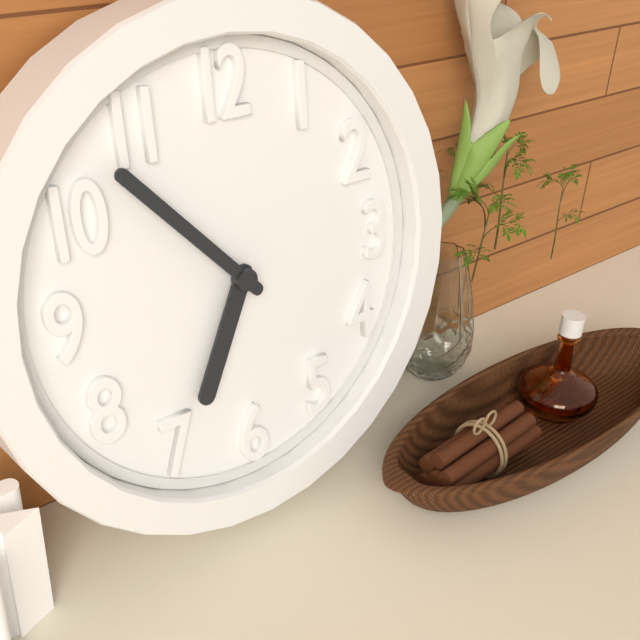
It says 6 h 53 min
